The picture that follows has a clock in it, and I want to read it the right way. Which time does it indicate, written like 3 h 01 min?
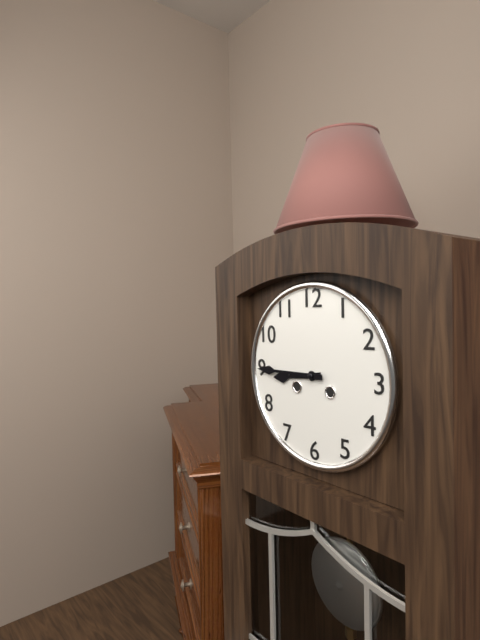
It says 8 h 45 min
